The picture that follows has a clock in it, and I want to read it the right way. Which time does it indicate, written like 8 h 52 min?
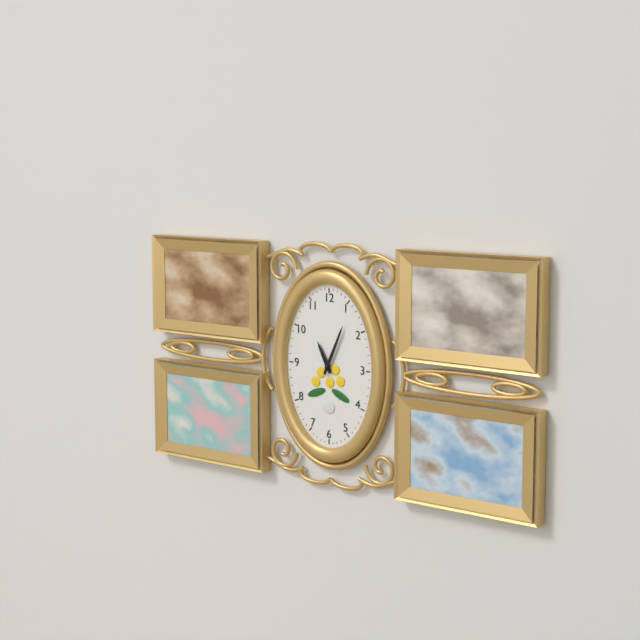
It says 11 h 04 min
